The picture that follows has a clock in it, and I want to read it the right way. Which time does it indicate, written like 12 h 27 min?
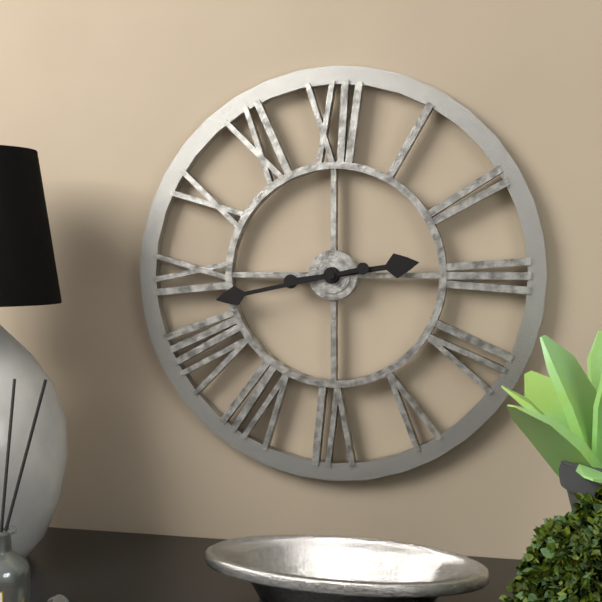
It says 2 h 43 min
